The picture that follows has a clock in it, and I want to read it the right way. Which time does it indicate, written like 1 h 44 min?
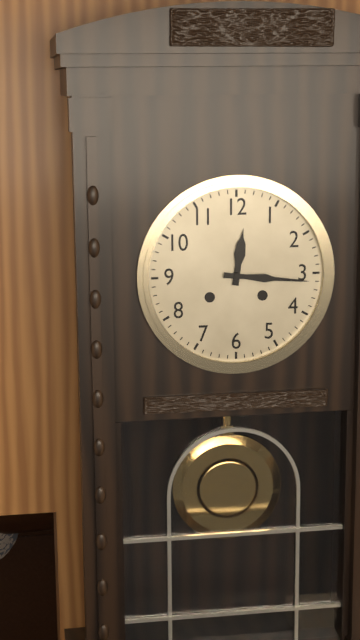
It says 12 h 16 min
